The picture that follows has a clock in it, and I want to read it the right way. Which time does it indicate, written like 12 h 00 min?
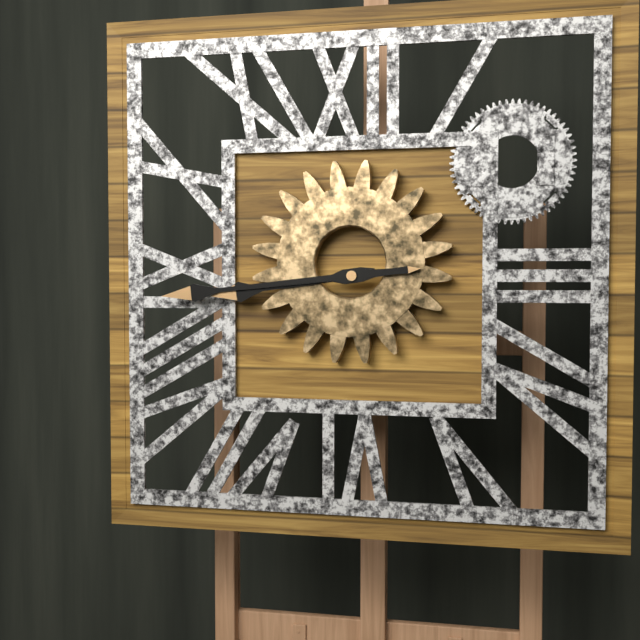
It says 8 h 44 min
